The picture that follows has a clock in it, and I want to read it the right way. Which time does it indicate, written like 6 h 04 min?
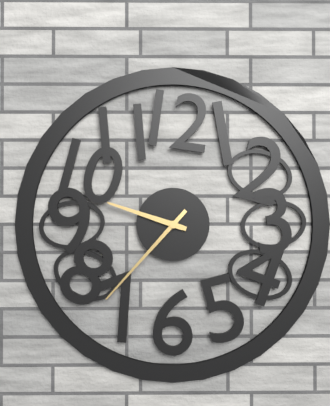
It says 9 h 37 min
